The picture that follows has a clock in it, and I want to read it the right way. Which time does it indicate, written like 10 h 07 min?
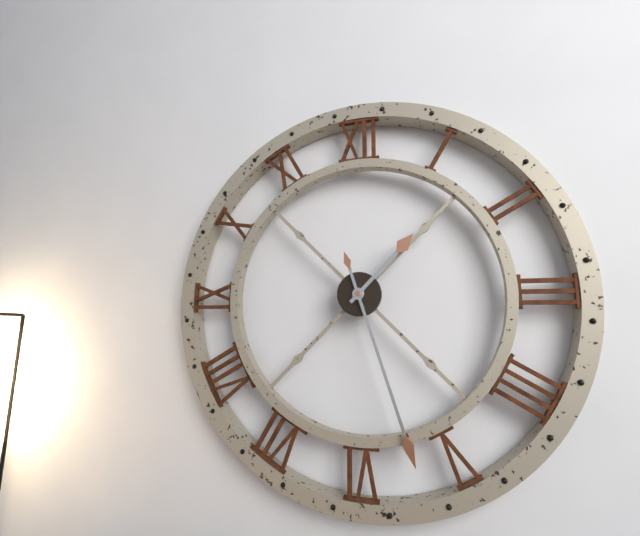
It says 1 h 27 min
